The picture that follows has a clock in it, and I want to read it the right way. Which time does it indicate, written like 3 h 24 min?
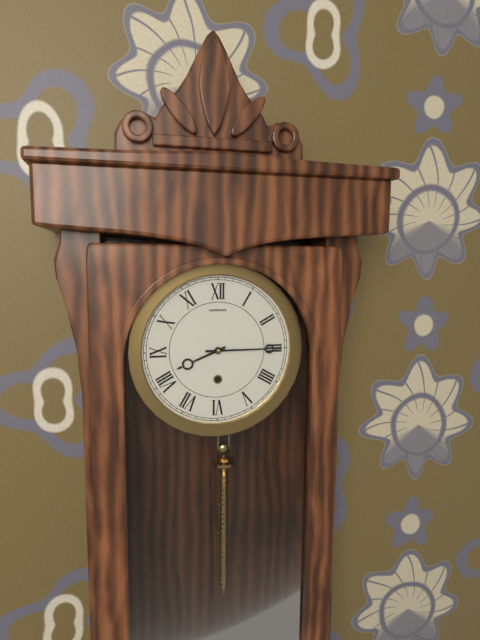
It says 8 h 15 min
